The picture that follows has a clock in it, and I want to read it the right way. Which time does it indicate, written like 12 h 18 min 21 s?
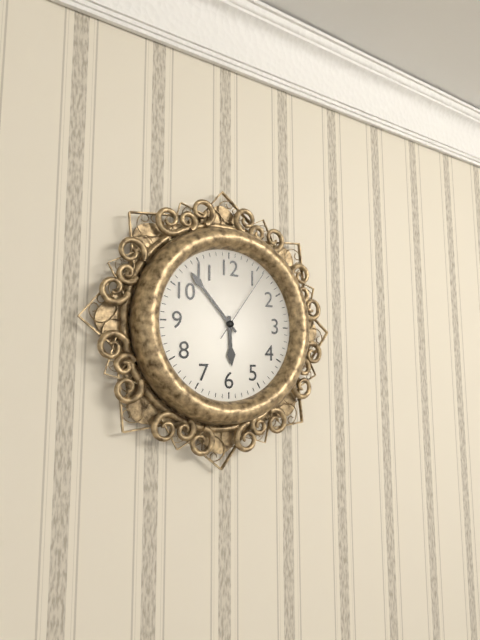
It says 5 h 53 min 06 s
